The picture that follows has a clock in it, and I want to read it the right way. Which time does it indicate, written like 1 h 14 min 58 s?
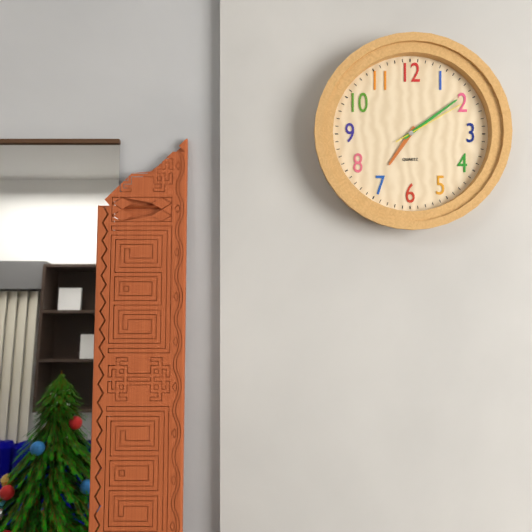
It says 7 h 09 min 10 s
